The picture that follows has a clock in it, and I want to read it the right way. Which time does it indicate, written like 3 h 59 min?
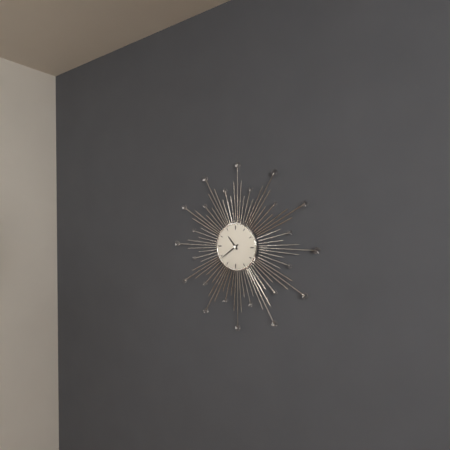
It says 10 h 39 min
